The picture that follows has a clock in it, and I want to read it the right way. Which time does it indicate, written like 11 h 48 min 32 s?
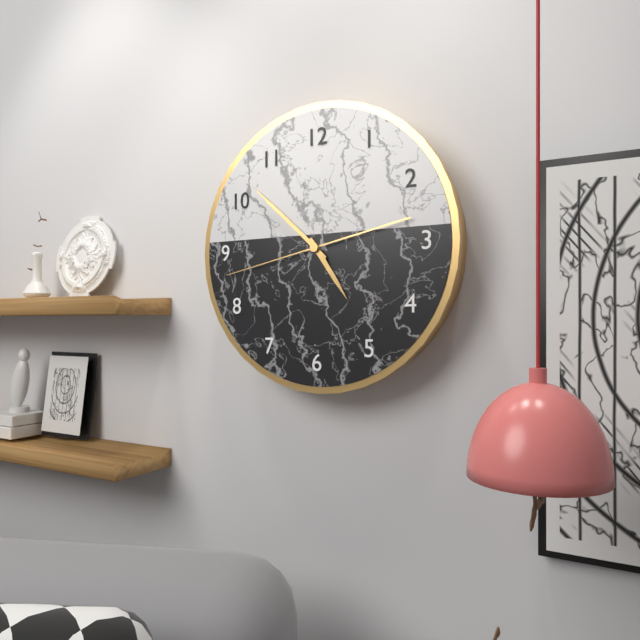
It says 4 h 52 min 43 s
